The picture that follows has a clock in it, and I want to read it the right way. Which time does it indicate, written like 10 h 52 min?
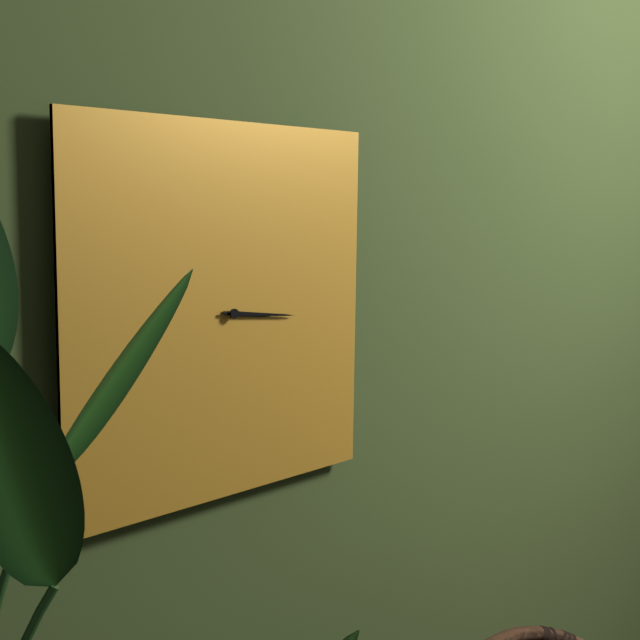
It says 3 h 16 min
